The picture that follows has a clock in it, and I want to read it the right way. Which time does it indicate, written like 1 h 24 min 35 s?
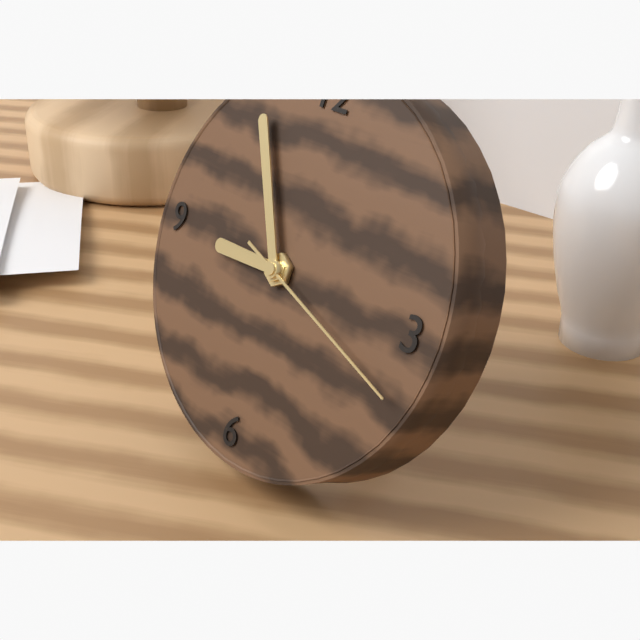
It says 8 h 55 min 18 s
